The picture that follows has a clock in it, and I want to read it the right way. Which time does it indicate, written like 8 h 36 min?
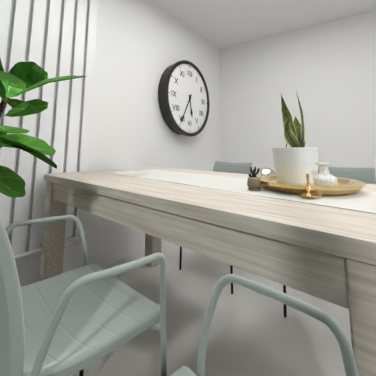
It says 5 h 35 min
